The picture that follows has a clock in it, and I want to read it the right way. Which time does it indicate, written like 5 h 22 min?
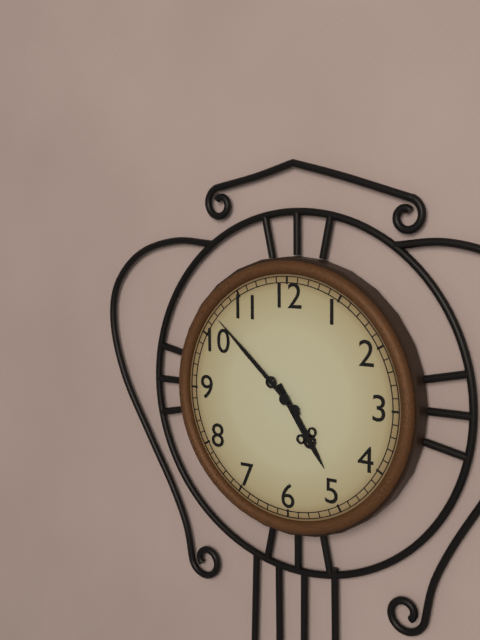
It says 4 h 52 min
